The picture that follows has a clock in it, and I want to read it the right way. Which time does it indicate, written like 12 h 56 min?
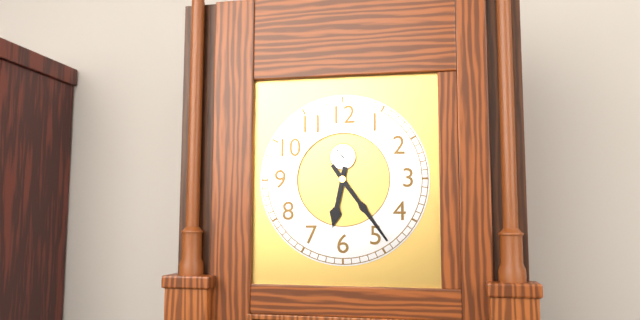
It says 6 h 24 min
